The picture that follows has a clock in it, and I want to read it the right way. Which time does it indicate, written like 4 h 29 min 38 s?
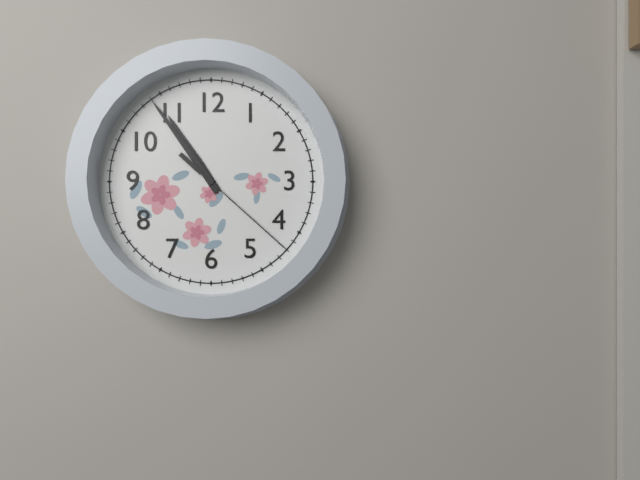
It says 10 h 54 min 22 s
